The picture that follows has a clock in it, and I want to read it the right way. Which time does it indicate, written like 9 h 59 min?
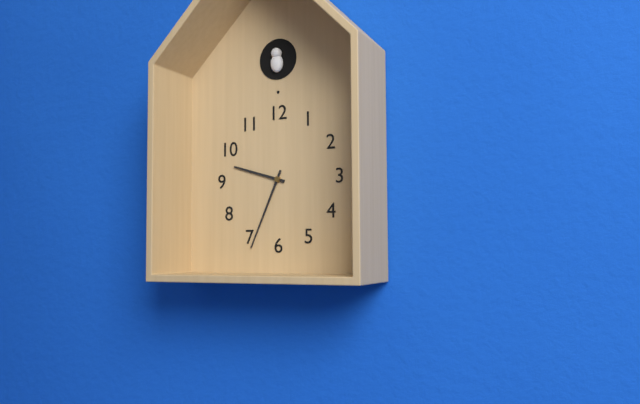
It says 9 h 34 min
